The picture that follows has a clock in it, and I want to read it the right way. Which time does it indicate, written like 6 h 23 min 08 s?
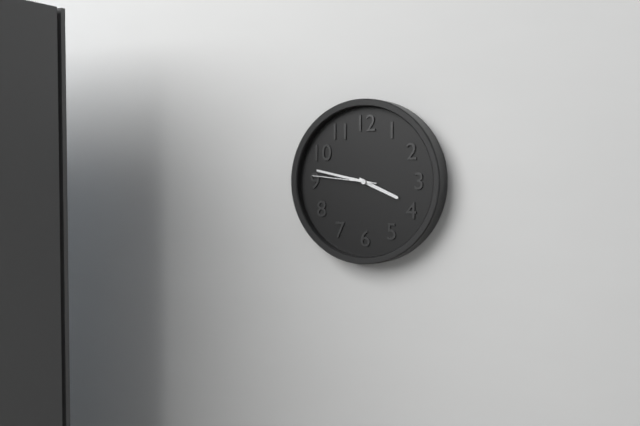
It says 3 h 47 min 46 s
